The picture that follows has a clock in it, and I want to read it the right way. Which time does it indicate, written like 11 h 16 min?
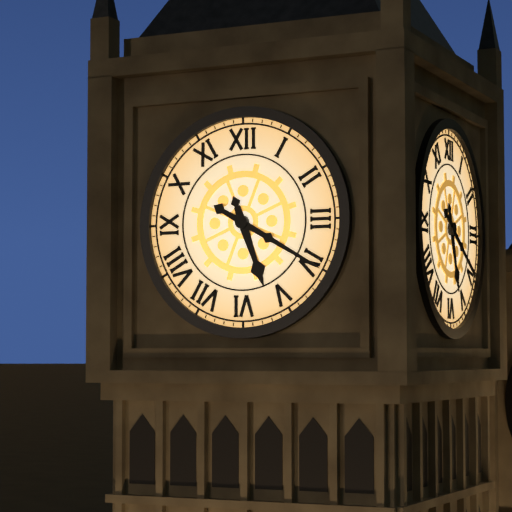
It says 5 h 20 min
